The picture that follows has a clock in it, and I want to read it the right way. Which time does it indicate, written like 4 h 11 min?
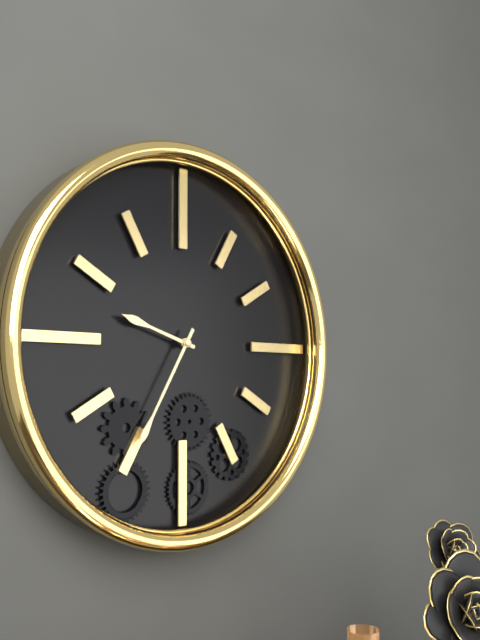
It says 9 h 35 min
